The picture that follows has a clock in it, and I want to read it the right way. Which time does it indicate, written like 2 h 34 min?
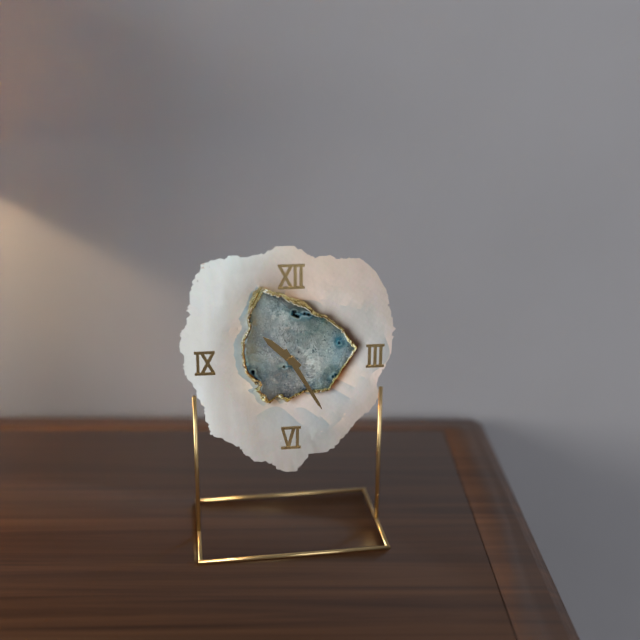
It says 10 h 25 min
